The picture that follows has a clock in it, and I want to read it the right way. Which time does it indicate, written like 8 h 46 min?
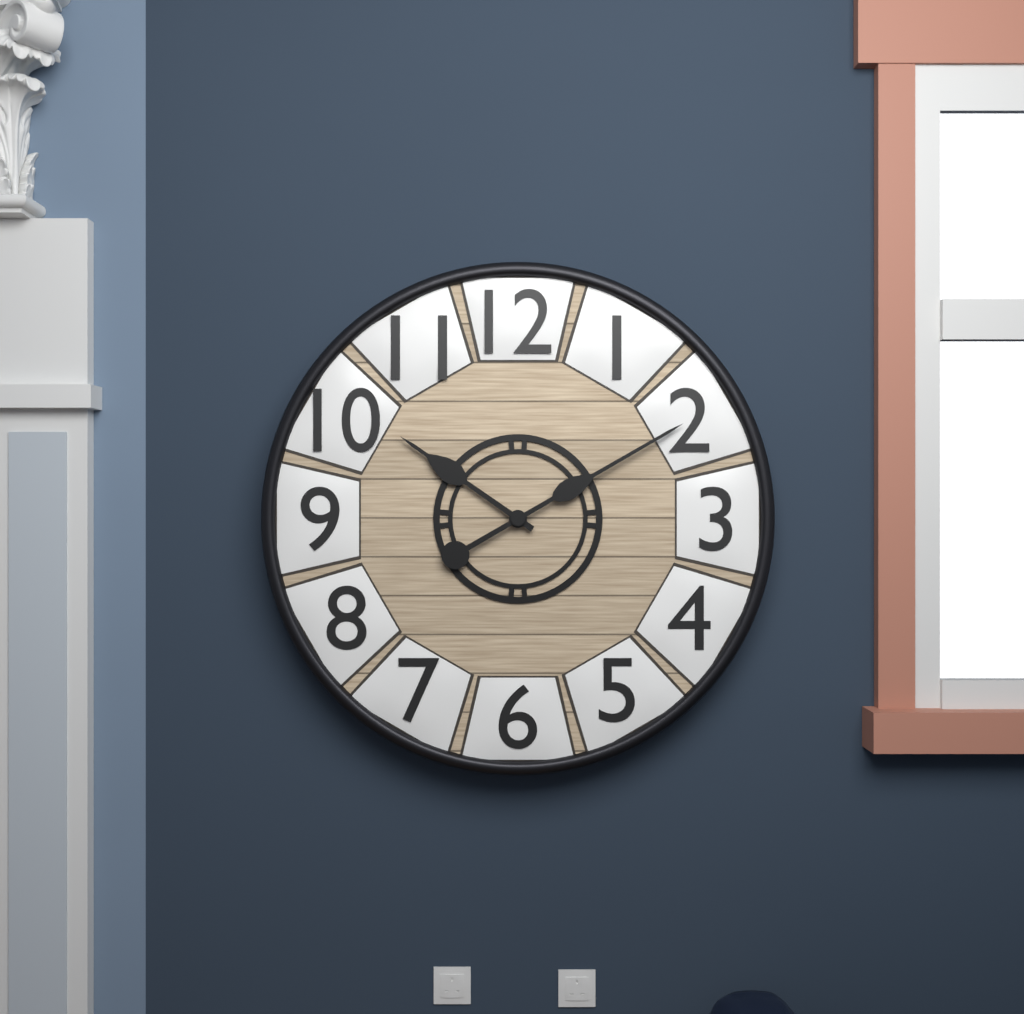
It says 10 h 10 min
